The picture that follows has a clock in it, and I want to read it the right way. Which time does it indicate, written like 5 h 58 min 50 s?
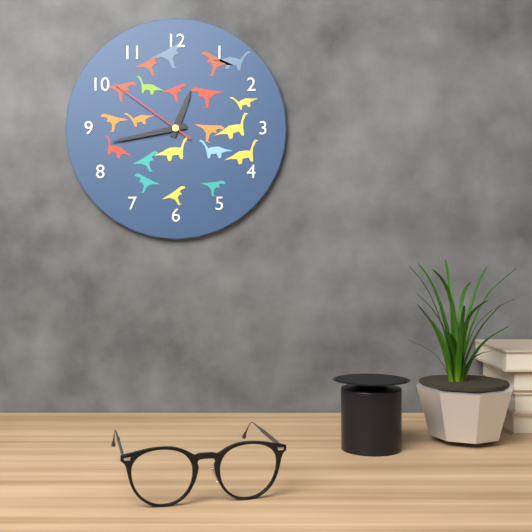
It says 12 h 43 min 51 s
